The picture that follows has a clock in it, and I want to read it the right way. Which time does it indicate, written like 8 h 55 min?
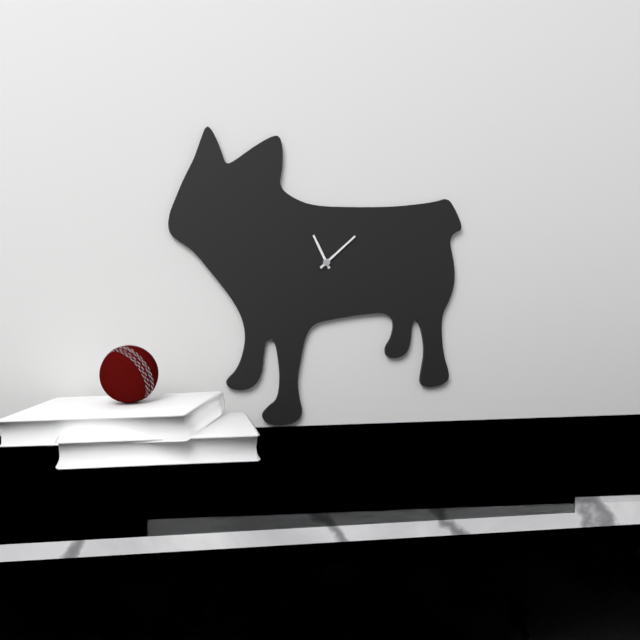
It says 11 h 08 min
